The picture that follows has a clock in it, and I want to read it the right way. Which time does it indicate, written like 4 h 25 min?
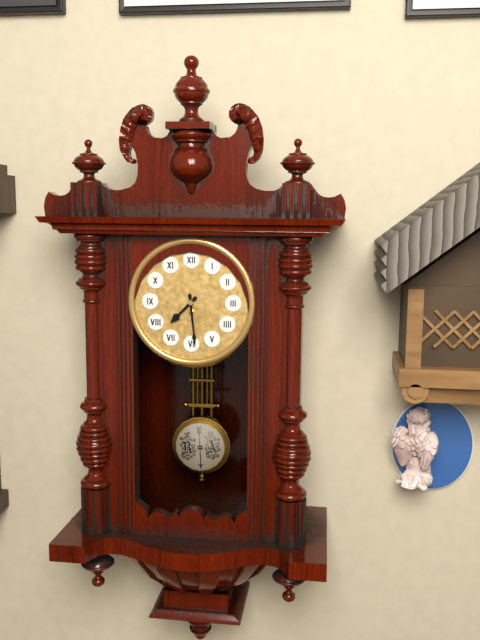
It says 7 h 29 min
